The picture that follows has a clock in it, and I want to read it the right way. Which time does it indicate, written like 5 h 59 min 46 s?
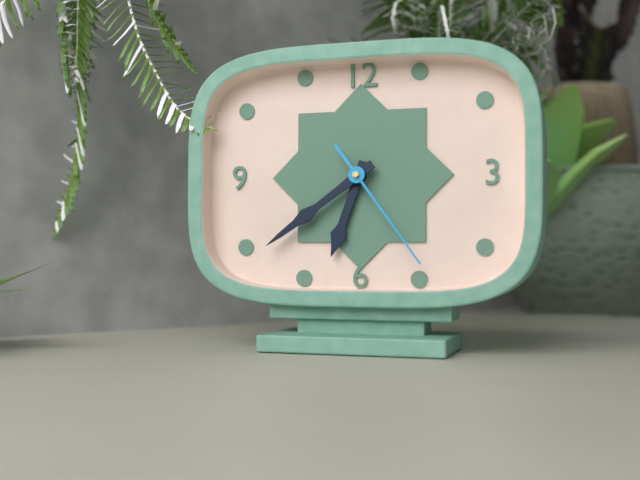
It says 6 h 39 min 24 s
